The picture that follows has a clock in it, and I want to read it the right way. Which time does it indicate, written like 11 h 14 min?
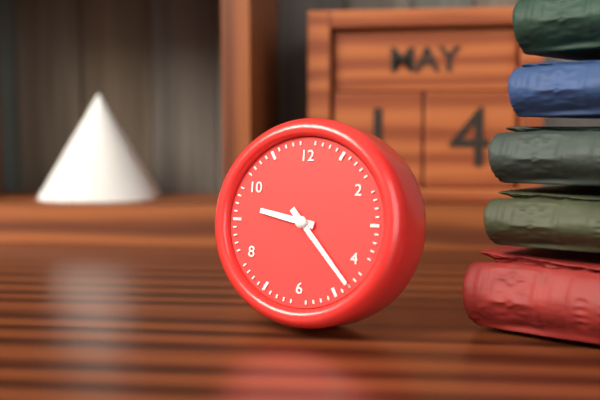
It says 9 h 23 min
